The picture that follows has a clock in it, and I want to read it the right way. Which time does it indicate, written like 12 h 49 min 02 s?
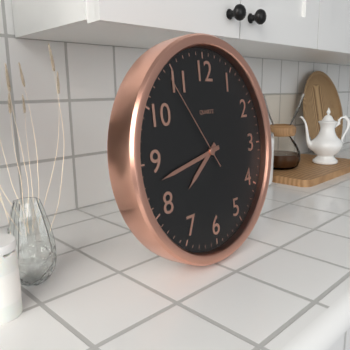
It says 7 h 43 min 54 s
